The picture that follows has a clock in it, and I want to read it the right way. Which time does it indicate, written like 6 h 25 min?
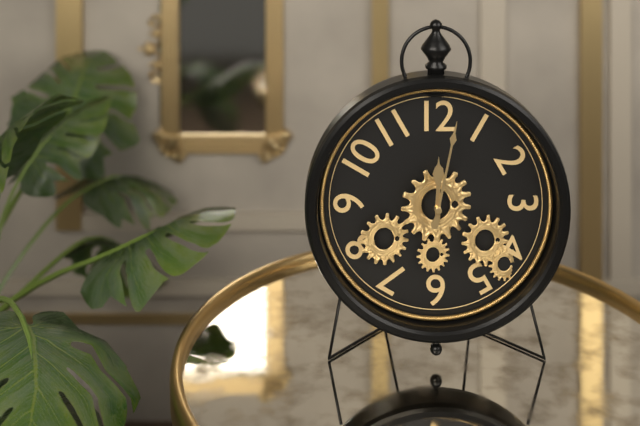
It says 12 h 02 min
